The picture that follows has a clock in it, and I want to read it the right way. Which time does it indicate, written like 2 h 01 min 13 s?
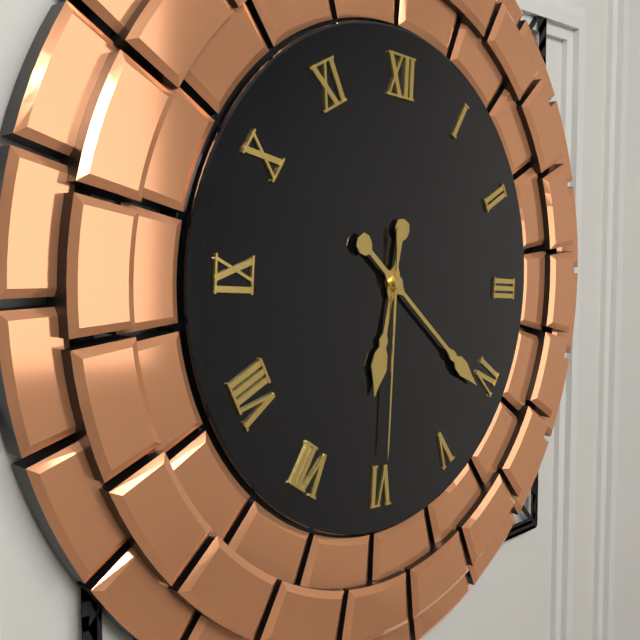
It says 6 h 21 min 30 s
